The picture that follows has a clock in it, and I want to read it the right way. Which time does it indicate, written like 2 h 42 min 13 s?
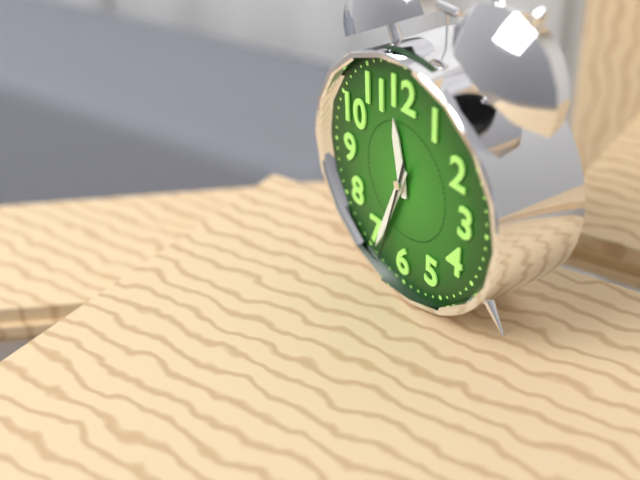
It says 11 h 34 min 33 s
